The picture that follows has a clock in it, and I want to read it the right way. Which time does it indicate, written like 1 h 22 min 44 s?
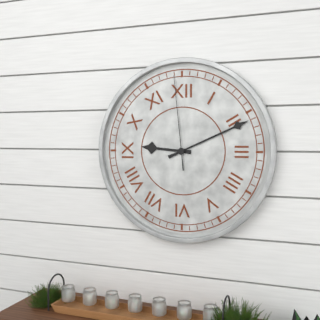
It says 9 h 11 min 59 s
